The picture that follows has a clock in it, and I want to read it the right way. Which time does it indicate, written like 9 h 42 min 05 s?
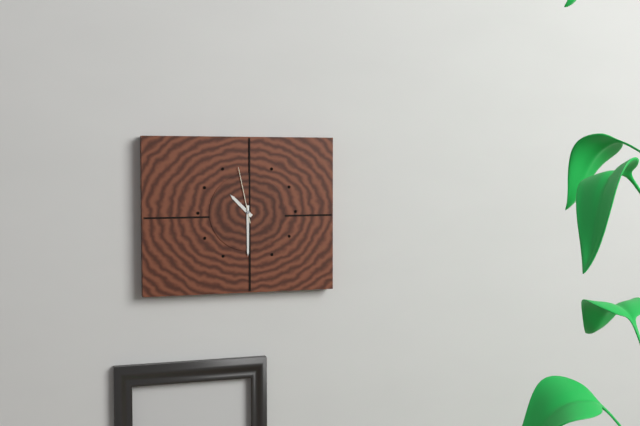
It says 10 h 30 min 58 s
